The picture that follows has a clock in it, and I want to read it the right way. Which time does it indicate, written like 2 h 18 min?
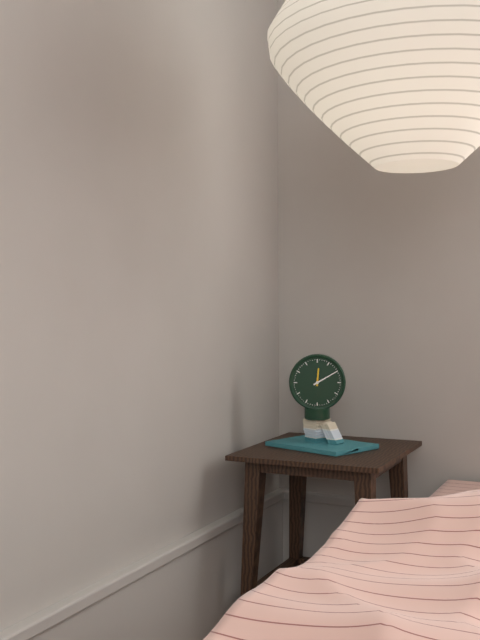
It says 12 h 10 min
